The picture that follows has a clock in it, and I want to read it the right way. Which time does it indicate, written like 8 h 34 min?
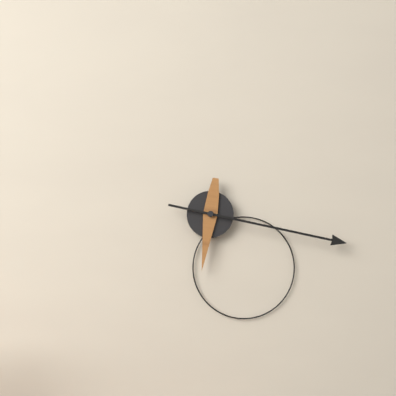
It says 6 h 17 min
